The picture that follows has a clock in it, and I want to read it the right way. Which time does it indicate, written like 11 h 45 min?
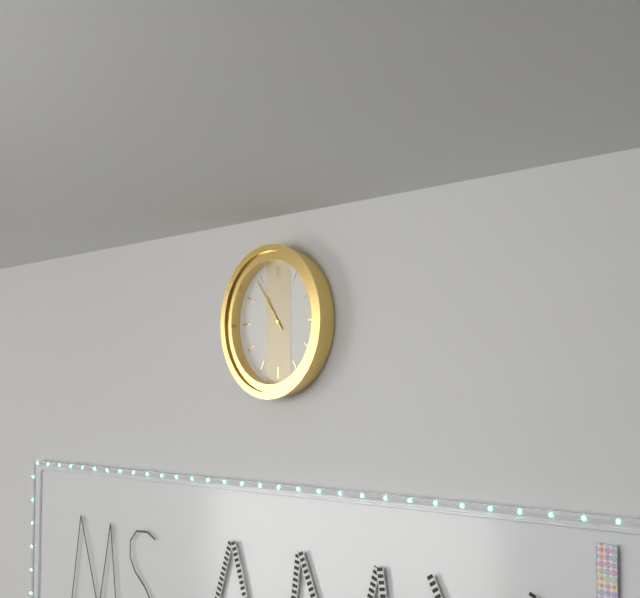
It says 10 h 54 min
